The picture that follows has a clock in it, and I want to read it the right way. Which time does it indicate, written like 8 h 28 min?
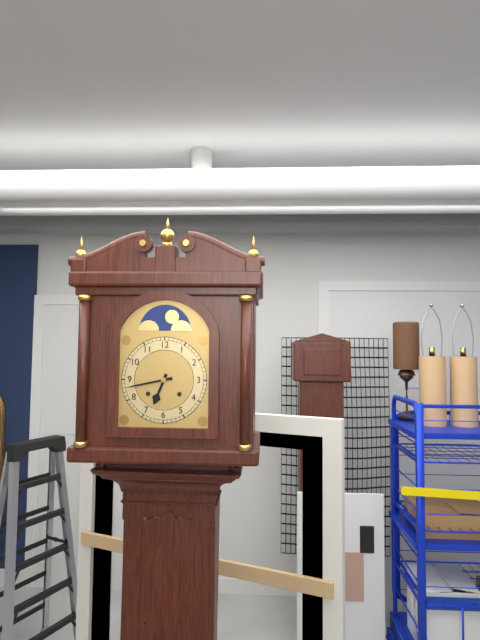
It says 6 h 43 min
